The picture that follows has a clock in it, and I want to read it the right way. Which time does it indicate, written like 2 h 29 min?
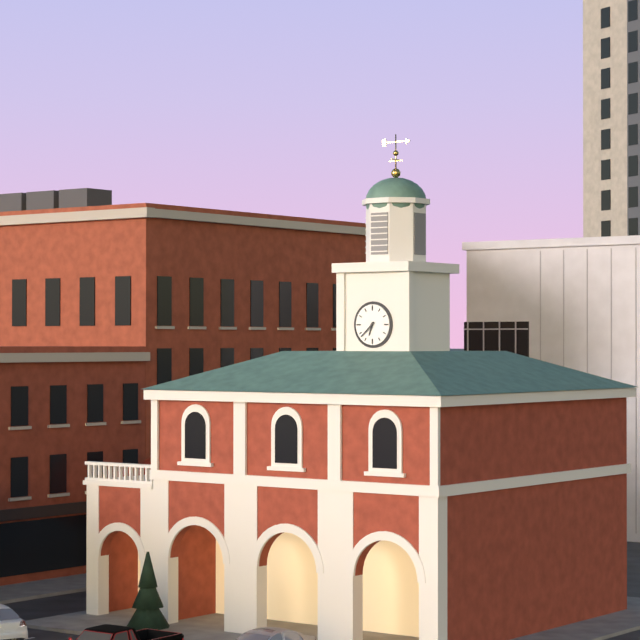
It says 6 h 38 min
